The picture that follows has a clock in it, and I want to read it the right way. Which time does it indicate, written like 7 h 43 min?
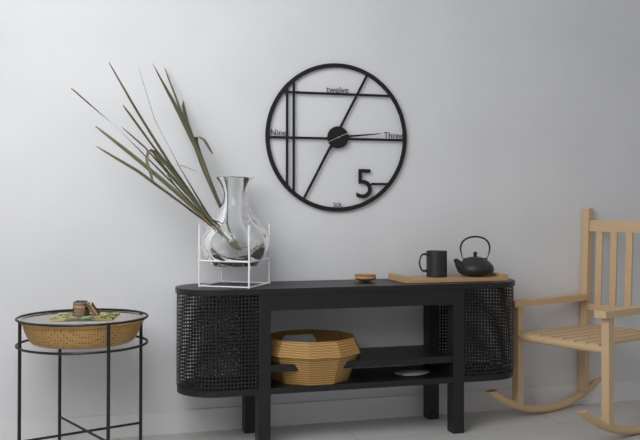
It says 7 h 14 min
